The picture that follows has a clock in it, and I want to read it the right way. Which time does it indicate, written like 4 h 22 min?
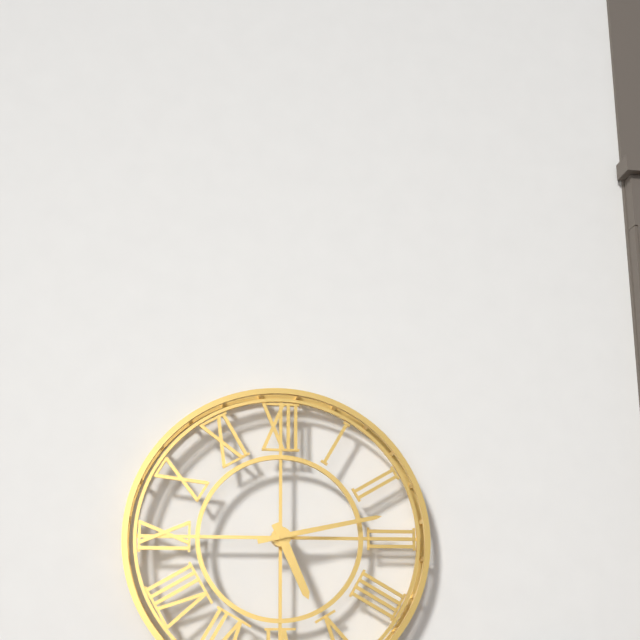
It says 5 h 13 min
